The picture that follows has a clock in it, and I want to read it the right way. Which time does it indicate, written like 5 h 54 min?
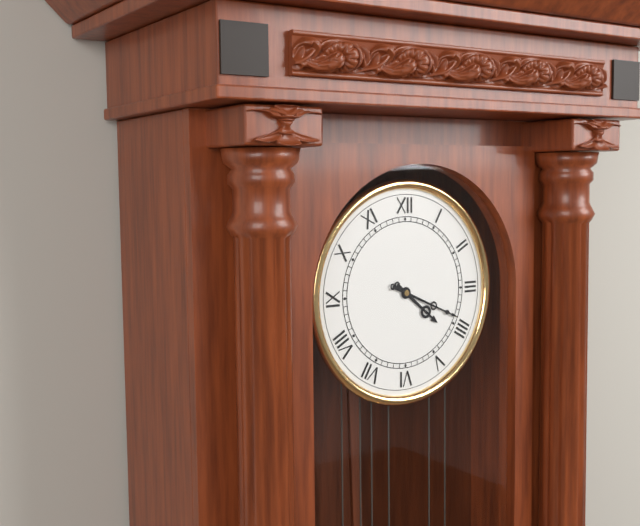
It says 4 h 19 min
